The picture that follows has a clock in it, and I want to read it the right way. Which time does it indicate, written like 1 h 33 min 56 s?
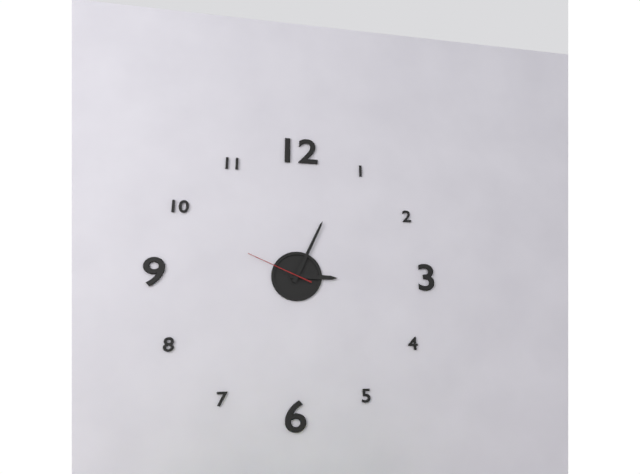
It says 3 h 04 min 49 s
